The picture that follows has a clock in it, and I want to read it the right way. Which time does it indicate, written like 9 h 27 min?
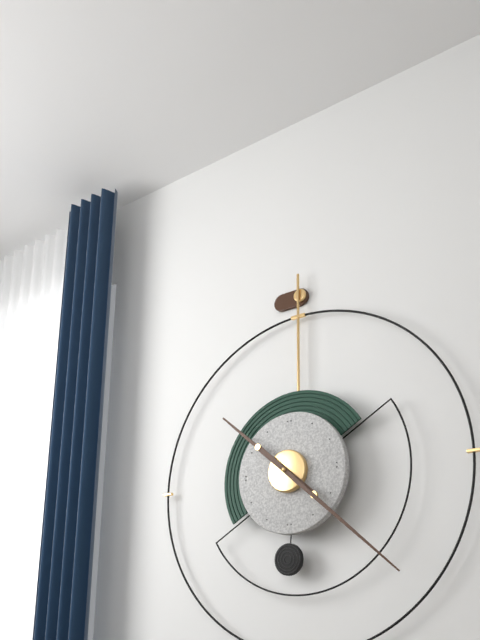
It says 10 h 22 min
